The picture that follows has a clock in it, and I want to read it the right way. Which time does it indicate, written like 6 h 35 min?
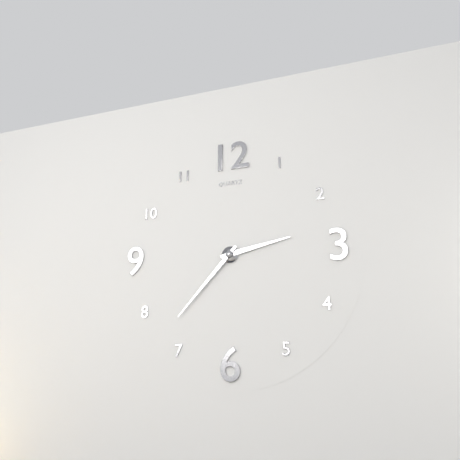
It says 2 h 37 min
